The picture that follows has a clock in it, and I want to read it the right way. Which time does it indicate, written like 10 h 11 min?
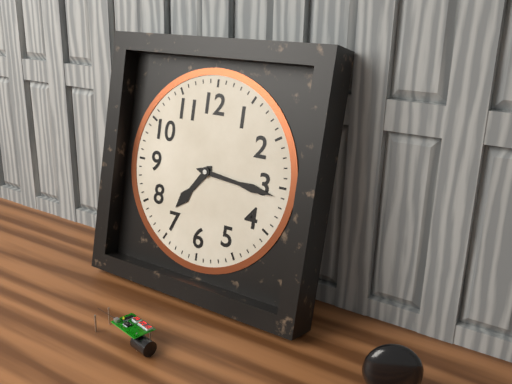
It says 7 h 16 min
